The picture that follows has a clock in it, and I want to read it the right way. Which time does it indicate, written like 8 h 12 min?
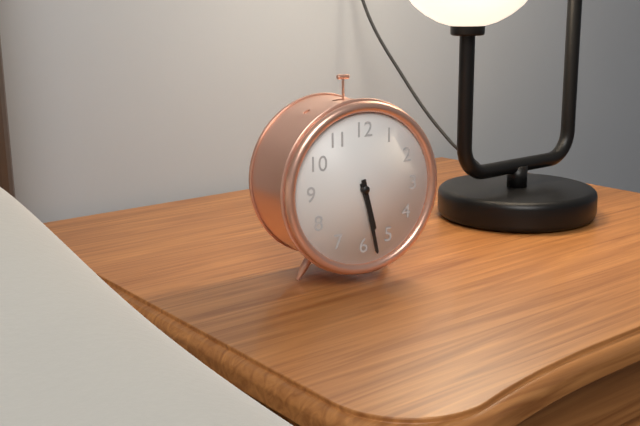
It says 5 h 28 min
